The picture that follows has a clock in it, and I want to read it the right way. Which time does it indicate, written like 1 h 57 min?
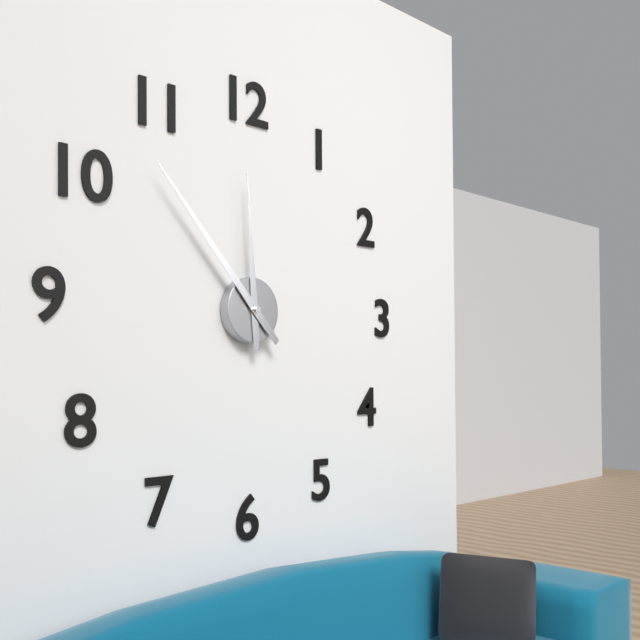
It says 11 h 53 min
